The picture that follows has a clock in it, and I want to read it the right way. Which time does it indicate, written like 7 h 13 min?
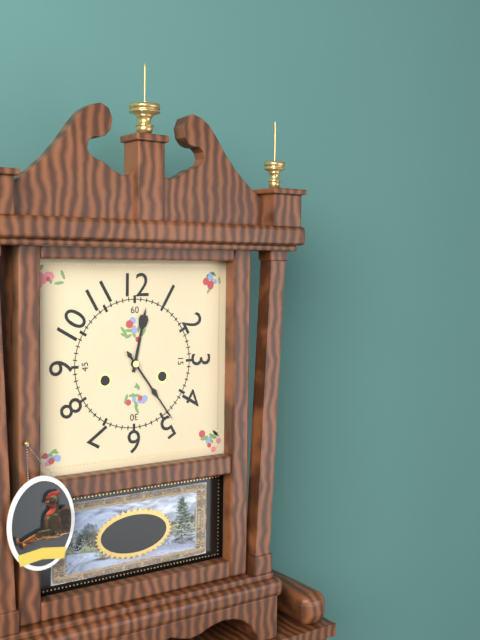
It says 12 h 24 min
